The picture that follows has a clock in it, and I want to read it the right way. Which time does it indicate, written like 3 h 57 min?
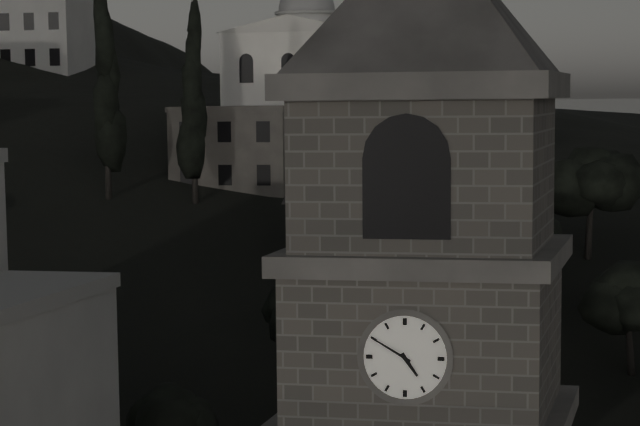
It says 4 h 50 min
